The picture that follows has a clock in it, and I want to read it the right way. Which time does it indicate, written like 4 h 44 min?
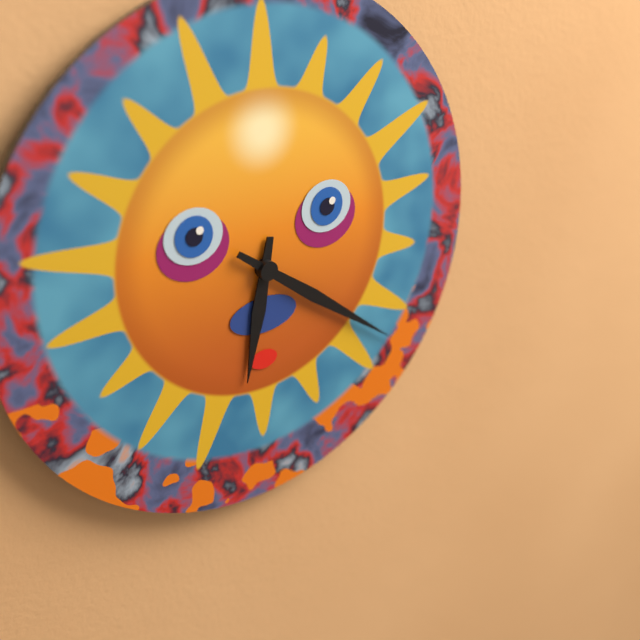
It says 6 h 21 min
